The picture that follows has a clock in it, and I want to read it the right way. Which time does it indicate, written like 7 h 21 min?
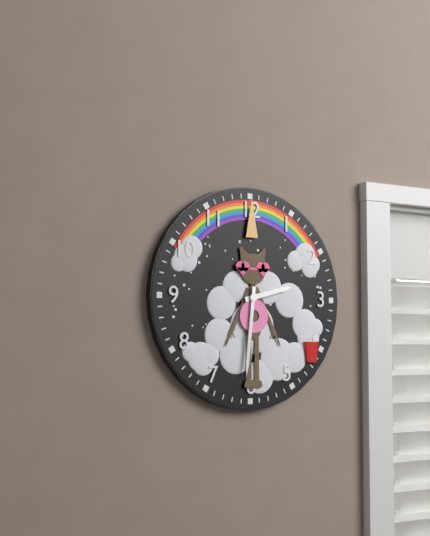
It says 2 h 31 min
